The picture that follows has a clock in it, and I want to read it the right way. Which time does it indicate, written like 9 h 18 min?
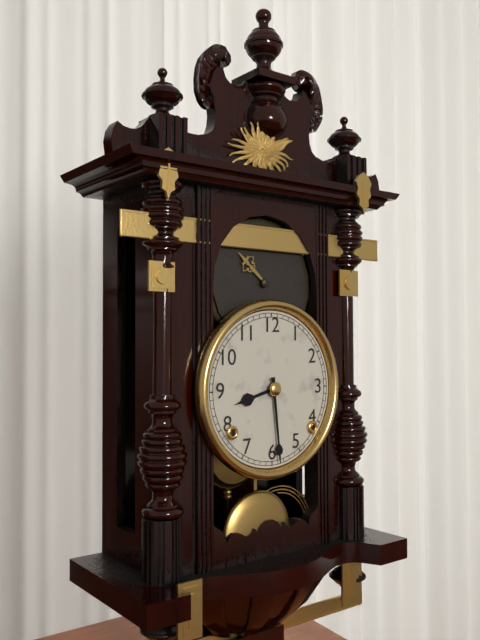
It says 8 h 29 min
